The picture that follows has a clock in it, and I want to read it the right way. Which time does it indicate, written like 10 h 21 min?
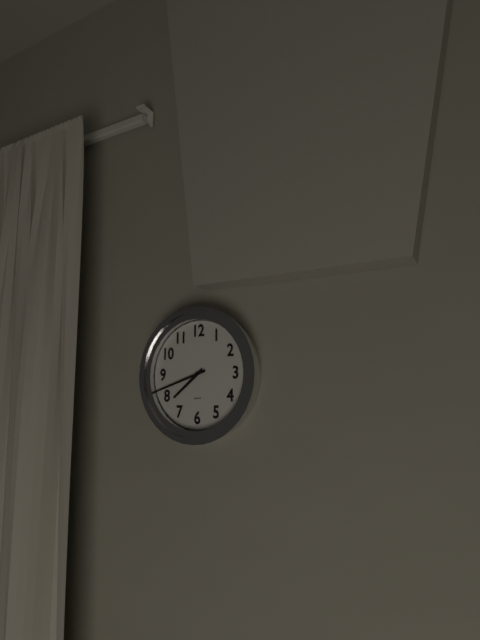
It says 7 h 42 min
